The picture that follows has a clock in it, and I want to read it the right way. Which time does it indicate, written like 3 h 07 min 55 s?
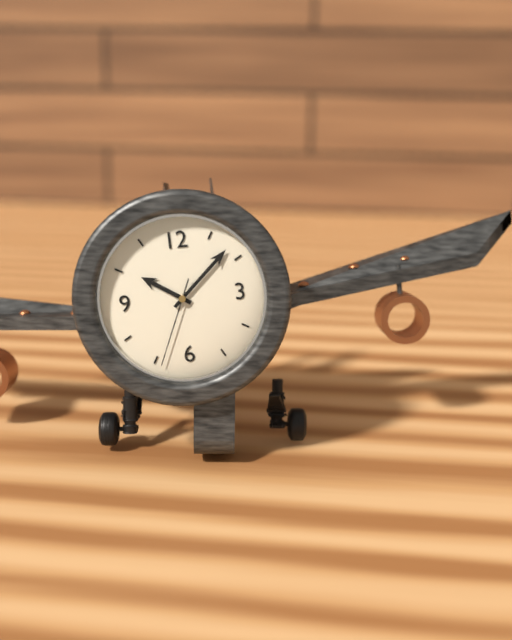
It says 10 h 08 min 34 s
